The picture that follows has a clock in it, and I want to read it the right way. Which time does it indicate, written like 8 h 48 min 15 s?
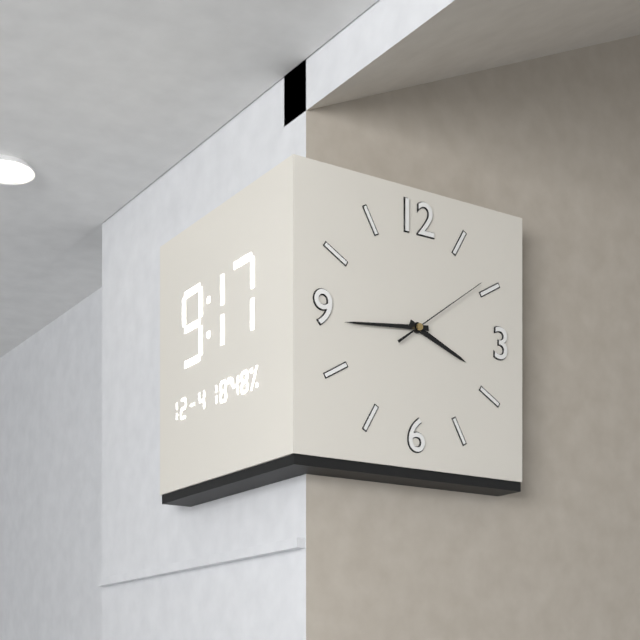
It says 3 h 44 min 09 s
